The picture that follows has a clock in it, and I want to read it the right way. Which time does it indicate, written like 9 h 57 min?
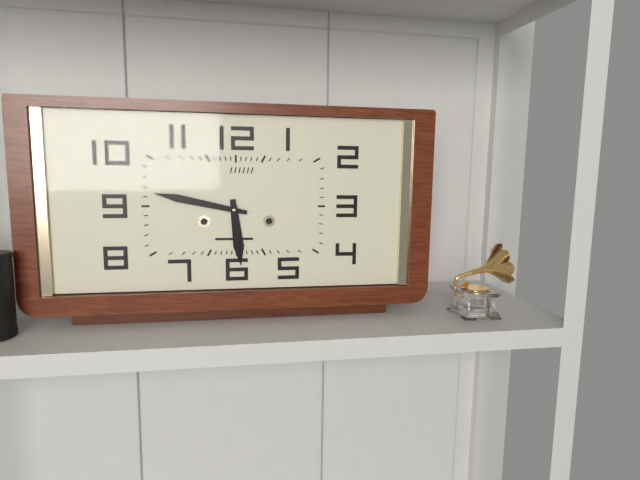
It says 5 h 47 min
